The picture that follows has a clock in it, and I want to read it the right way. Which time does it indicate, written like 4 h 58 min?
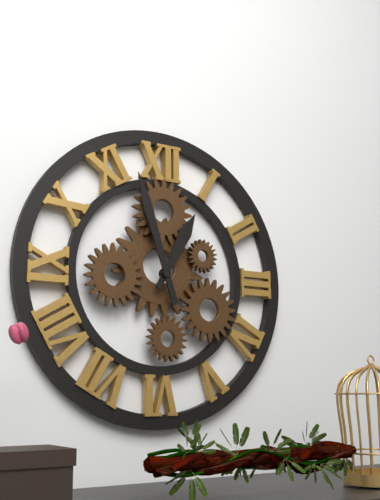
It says 12 h 57 min
